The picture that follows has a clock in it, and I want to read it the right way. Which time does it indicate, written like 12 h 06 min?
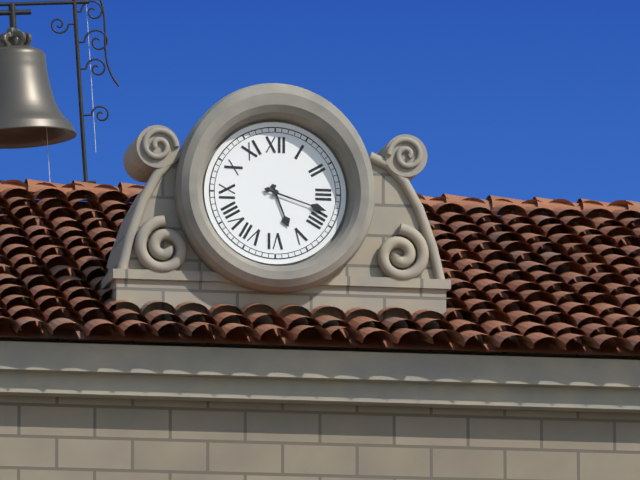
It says 5 h 18 min
